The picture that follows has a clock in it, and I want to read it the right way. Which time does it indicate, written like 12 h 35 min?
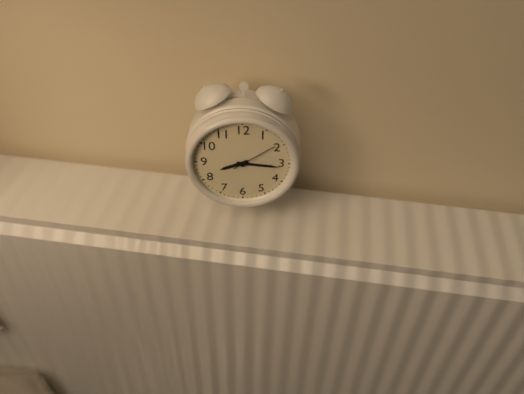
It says 8 h 16 min
